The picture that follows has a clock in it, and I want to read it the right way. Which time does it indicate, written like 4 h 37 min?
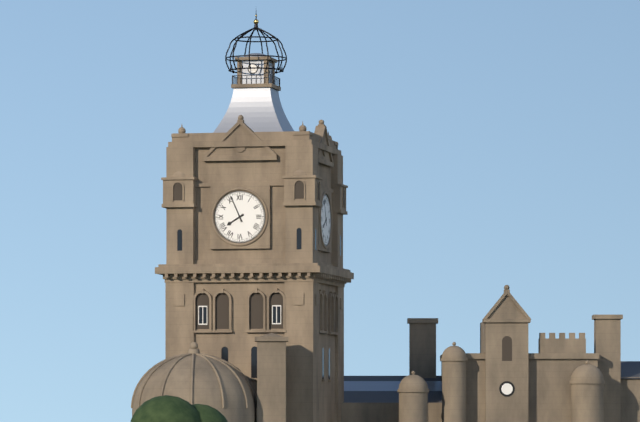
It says 7 h 56 min
